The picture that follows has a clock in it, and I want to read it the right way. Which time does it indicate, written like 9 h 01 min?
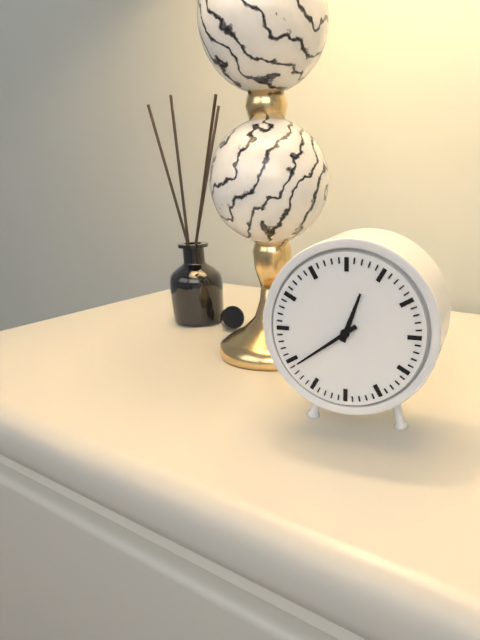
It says 12 h 39 min
